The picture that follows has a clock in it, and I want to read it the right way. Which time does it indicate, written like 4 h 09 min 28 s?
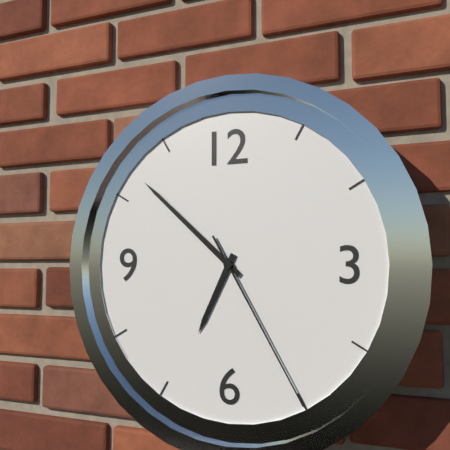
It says 6 h 52 min 25 s
